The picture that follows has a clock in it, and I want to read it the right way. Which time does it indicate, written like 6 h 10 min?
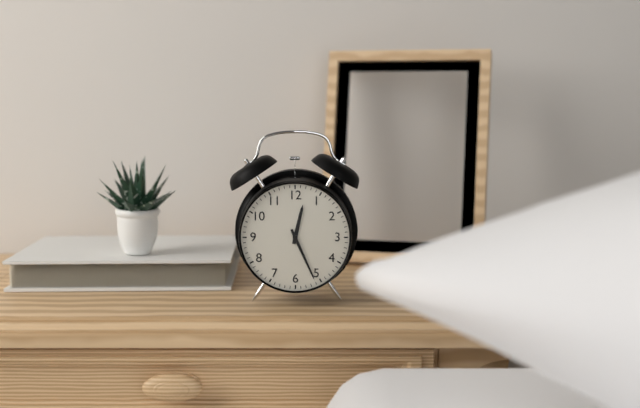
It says 12 h 26 min
